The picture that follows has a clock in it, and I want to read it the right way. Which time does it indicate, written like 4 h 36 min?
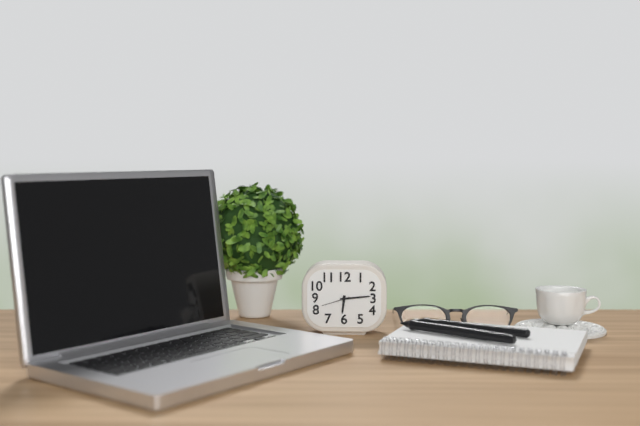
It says 6 h 14 min
